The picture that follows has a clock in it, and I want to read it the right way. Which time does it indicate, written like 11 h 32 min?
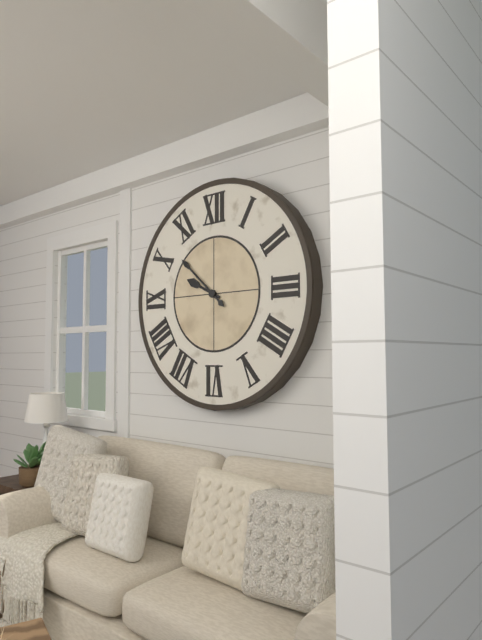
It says 9 h 52 min
